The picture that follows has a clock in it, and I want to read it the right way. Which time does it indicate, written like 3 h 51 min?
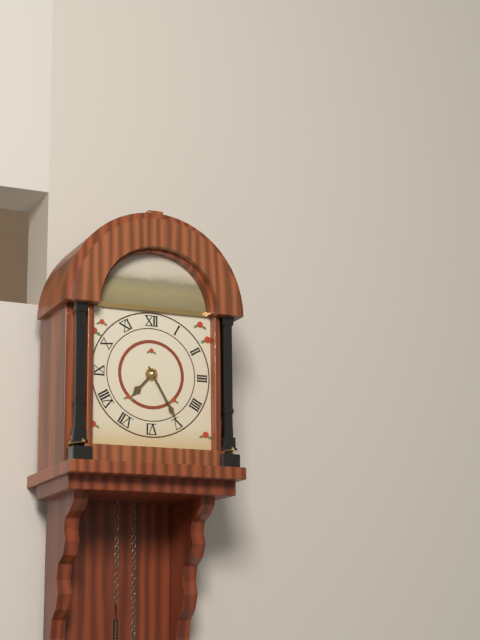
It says 7 h 25 min
